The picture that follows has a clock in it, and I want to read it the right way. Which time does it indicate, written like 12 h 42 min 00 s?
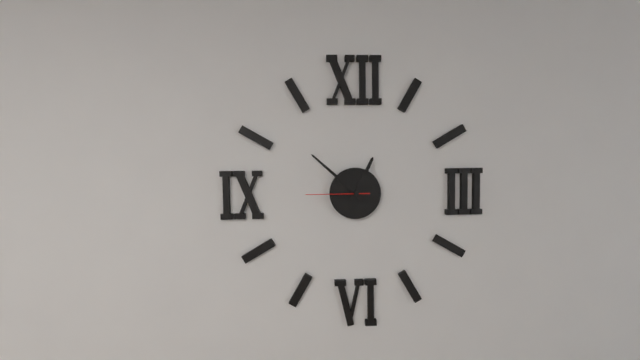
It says 12 h 52 min 45 s
